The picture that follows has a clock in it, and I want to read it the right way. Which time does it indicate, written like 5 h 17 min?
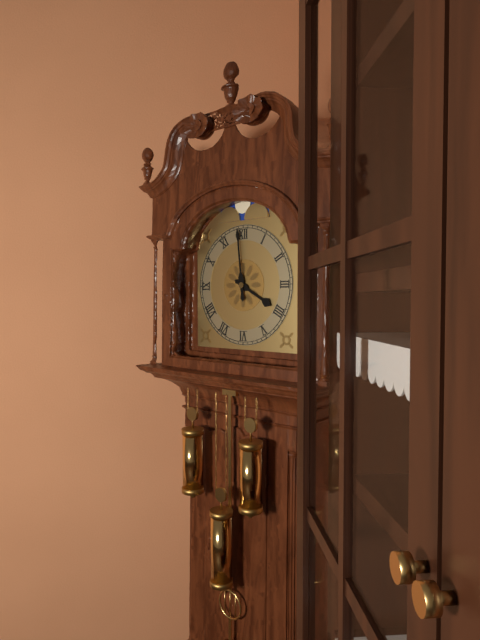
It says 3 h 59 min
